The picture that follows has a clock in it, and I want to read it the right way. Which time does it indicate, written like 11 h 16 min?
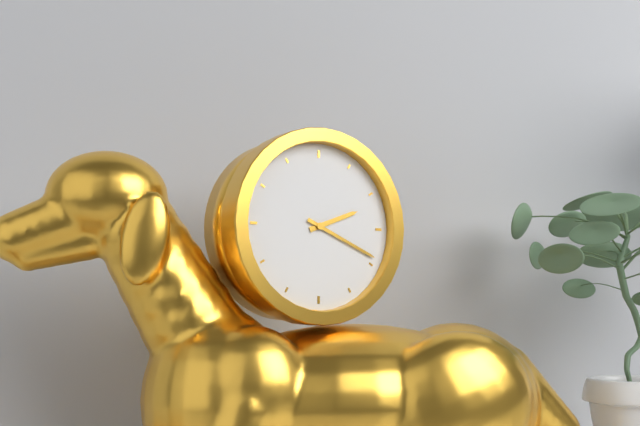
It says 2 h 19 min
